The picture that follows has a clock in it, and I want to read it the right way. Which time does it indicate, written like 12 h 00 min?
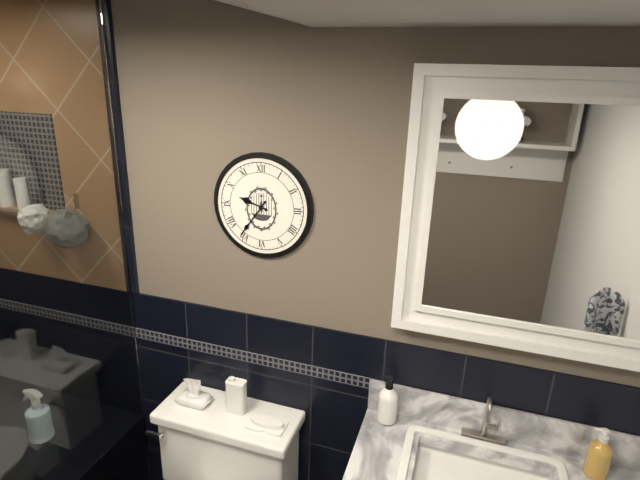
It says 9 h 36 min
